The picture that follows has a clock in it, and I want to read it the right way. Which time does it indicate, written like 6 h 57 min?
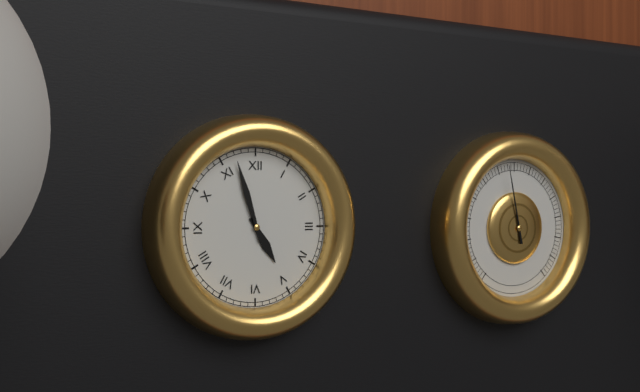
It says 4 h 57 min
